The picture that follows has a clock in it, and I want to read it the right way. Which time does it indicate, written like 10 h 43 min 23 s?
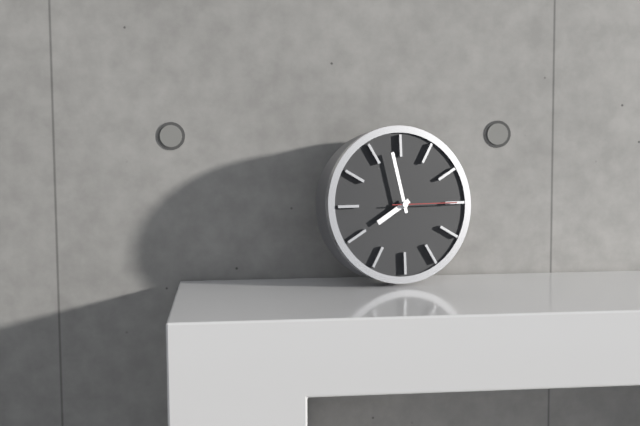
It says 7 h 58 min 15 s
